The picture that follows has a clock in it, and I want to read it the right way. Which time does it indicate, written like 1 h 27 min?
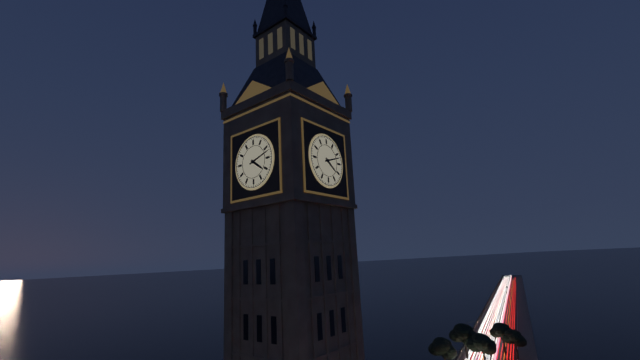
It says 4 h 12 min
